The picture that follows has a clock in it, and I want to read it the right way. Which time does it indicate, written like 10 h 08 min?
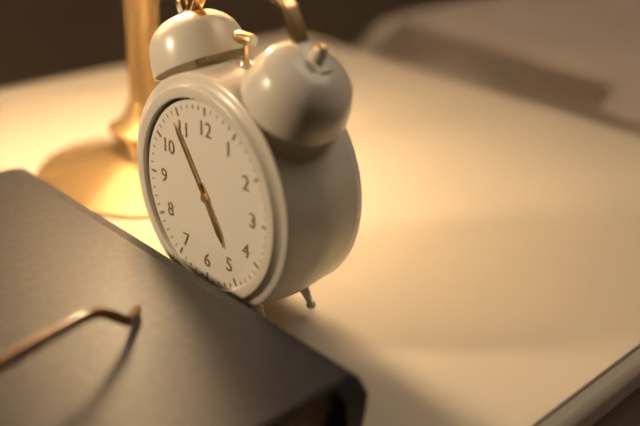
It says 4 h 54 min
